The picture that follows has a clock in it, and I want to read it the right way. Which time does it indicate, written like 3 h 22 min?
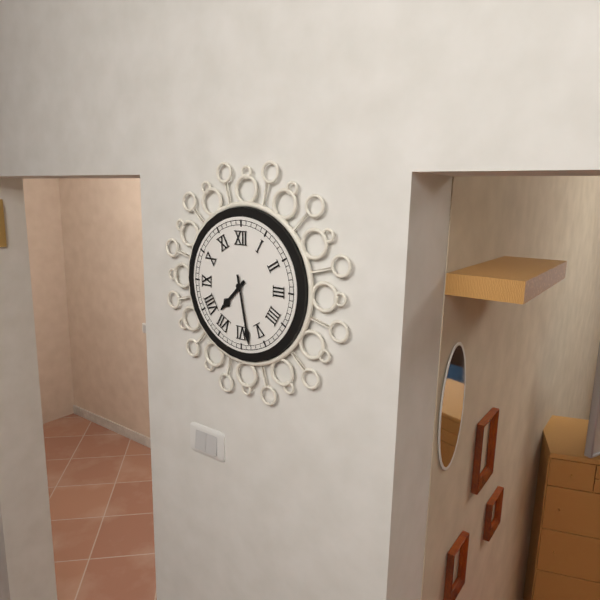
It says 7 h 28 min
